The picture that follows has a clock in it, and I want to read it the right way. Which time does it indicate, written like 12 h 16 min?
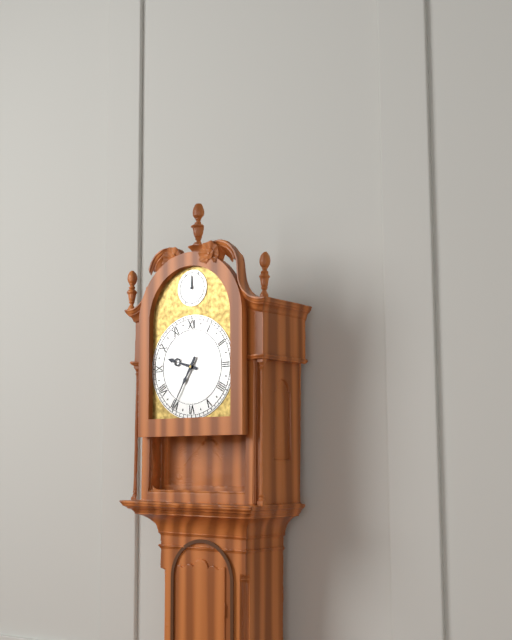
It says 9 h 35 min
